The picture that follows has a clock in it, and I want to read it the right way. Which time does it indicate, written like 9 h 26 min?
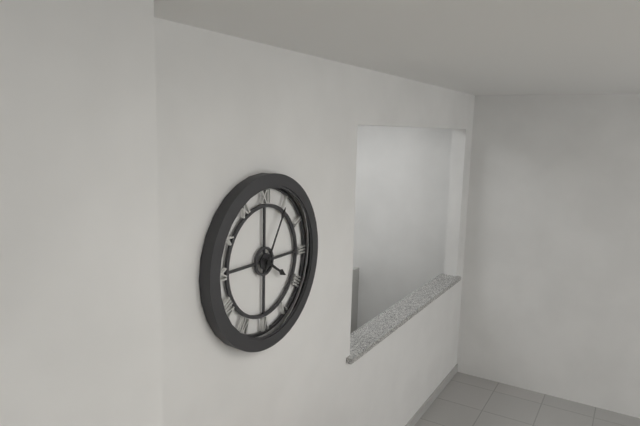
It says 4 h 05 min
